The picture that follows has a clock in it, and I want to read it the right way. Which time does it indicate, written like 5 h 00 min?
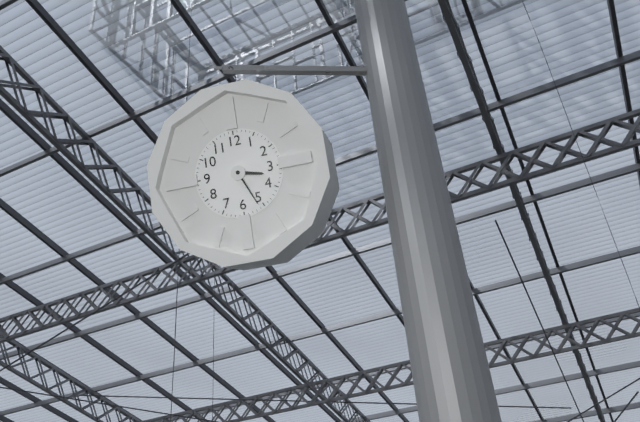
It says 3 h 26 min
